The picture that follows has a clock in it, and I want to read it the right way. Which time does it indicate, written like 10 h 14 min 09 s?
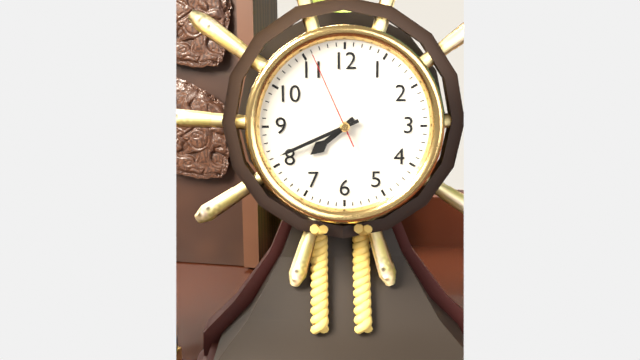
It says 7 h 41 min 56 s
